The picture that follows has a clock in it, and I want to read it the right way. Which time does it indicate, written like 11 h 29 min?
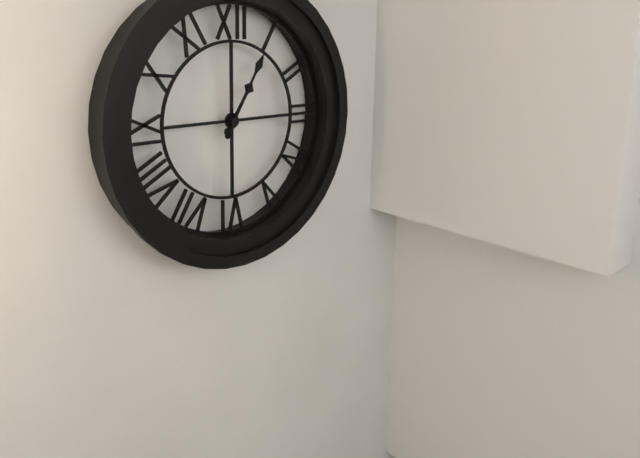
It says 1 h 05 min
